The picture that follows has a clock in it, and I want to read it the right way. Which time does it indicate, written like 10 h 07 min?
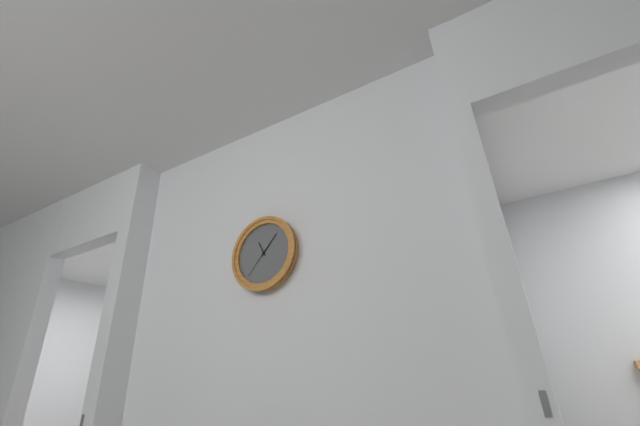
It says 11 h 07 min
